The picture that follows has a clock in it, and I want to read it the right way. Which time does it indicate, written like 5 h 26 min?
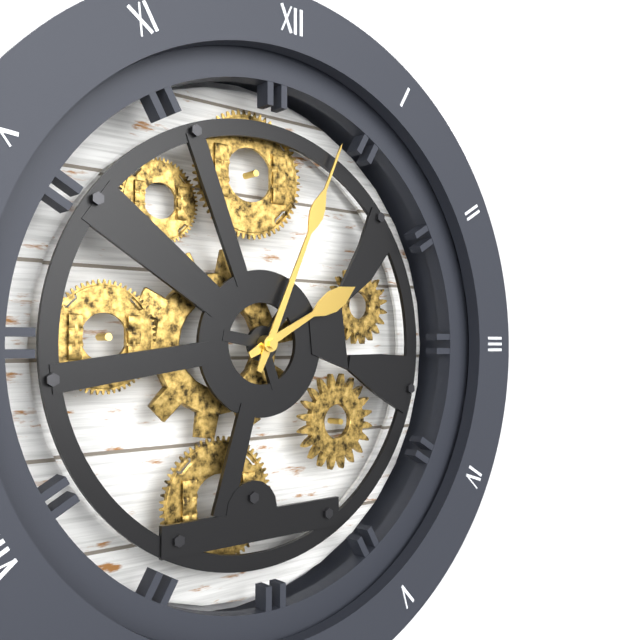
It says 2 h 04 min
